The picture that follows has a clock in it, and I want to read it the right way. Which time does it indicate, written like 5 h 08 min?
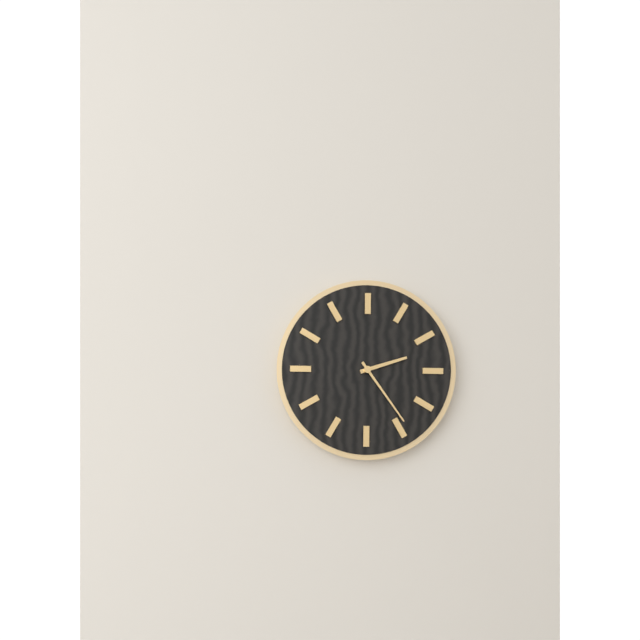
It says 2 h 24 min
